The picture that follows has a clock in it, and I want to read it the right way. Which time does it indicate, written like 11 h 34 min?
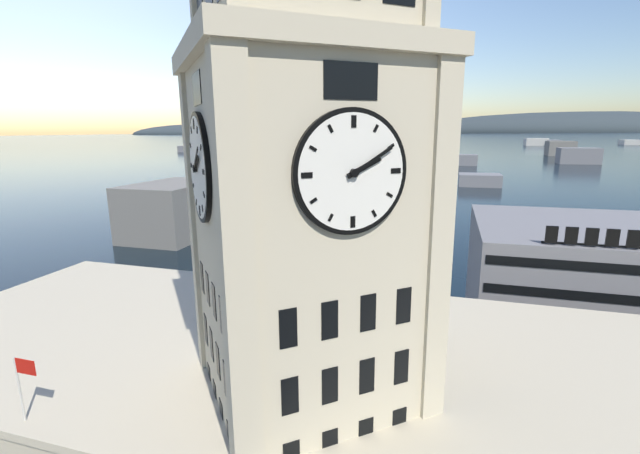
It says 2 h 10 min
